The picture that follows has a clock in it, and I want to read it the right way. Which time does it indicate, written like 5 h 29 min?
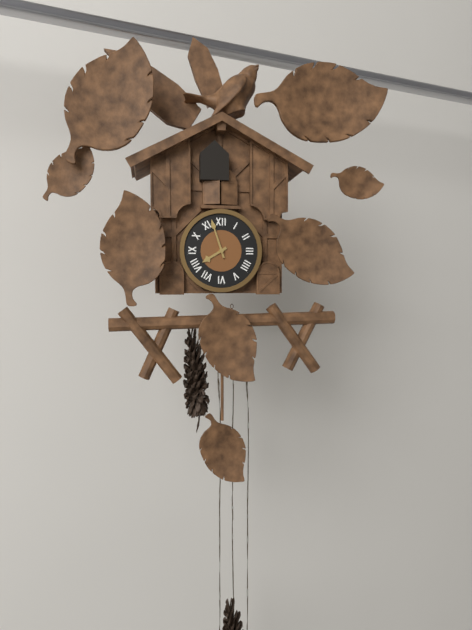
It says 7 h 57 min
